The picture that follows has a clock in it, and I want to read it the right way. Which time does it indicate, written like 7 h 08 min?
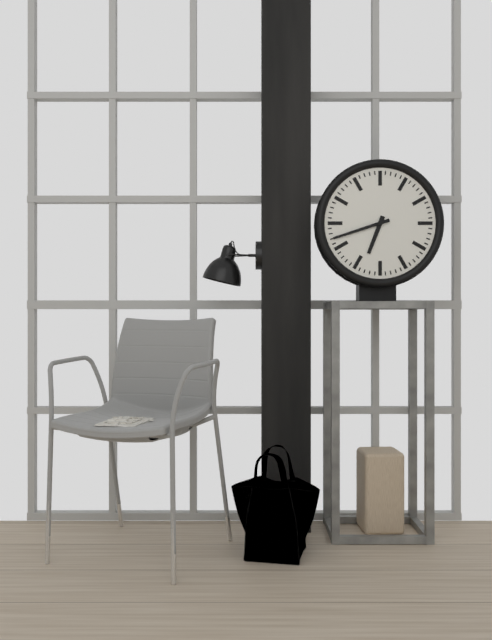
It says 6 h 42 min
